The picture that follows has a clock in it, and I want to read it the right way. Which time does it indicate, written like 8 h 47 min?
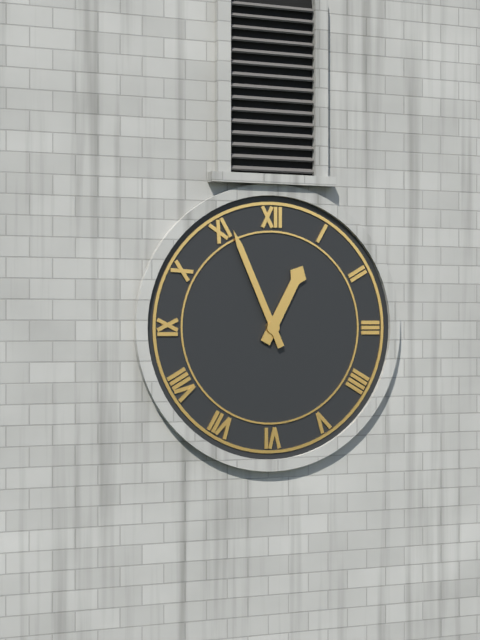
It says 12 h 56 min
